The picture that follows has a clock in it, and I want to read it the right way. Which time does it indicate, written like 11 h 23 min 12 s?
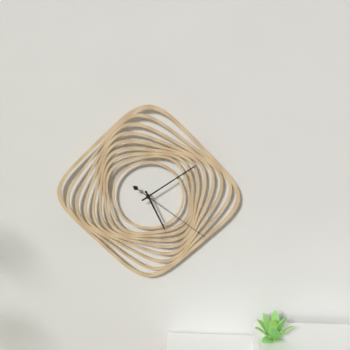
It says 5 h 09 min 21 s
